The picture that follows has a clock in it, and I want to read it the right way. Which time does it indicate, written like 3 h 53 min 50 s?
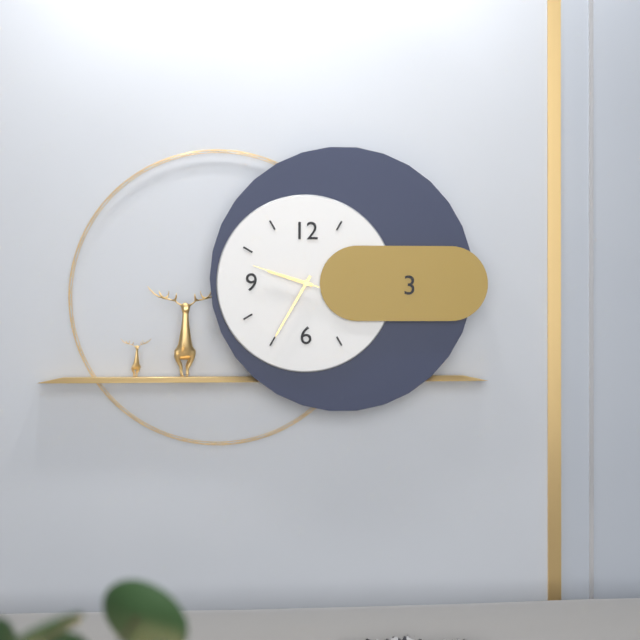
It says 9 h 35 min 48 s
